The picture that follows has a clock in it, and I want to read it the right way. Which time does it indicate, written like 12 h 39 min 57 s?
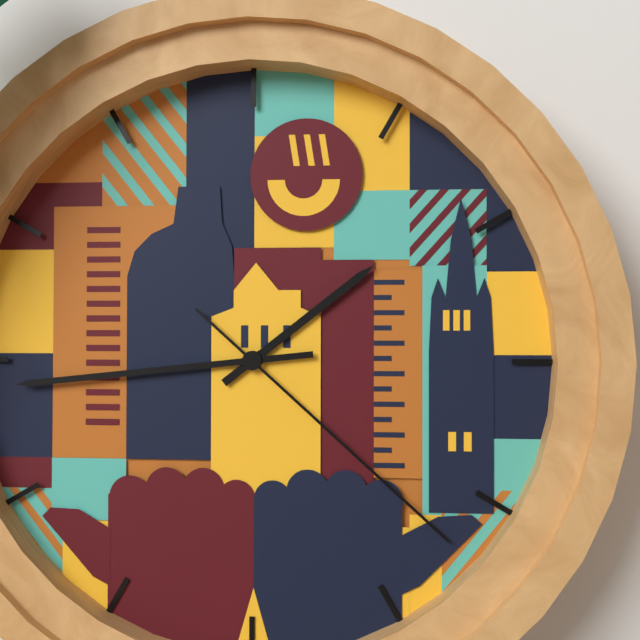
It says 1 h 44 min 22 s
